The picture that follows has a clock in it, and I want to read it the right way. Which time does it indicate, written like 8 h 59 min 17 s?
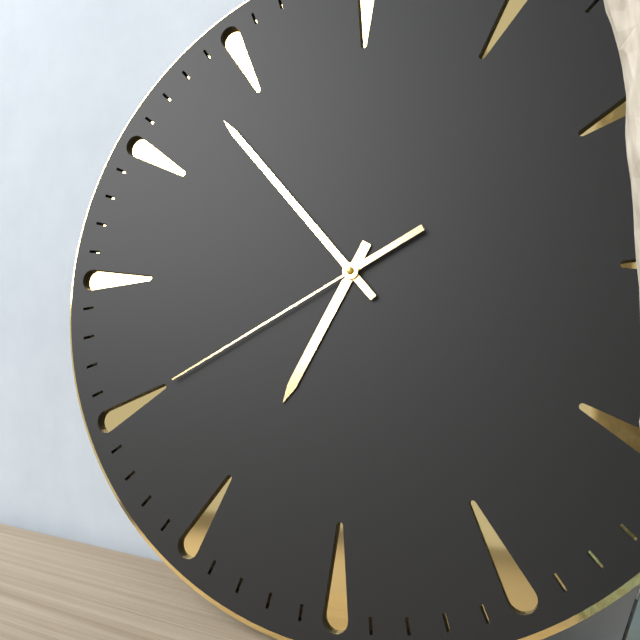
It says 6 h 53 min 40 s
